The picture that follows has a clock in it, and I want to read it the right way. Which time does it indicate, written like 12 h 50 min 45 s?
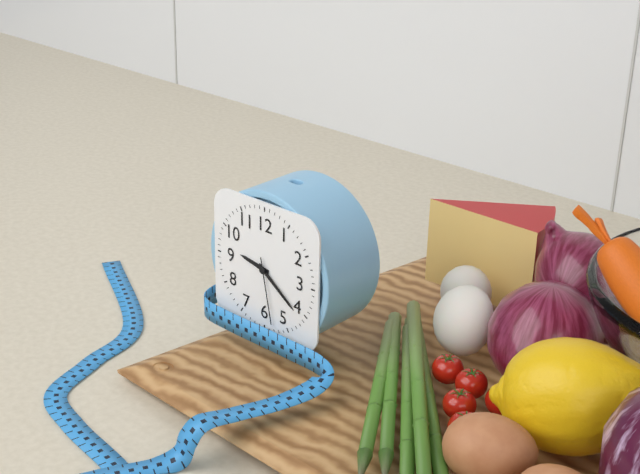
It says 9 h 21 min 28 s
